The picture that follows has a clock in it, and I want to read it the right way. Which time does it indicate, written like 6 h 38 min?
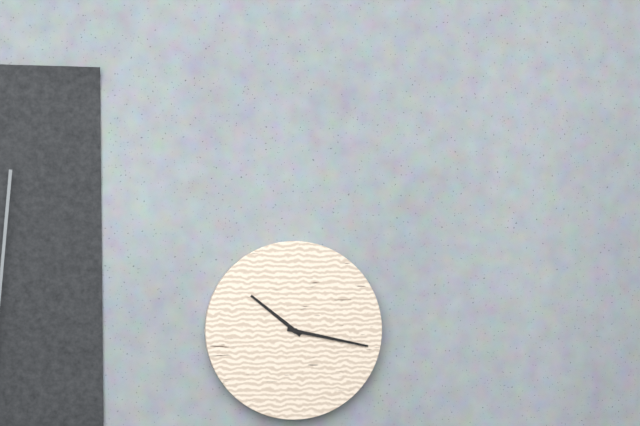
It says 10 h 17 min
